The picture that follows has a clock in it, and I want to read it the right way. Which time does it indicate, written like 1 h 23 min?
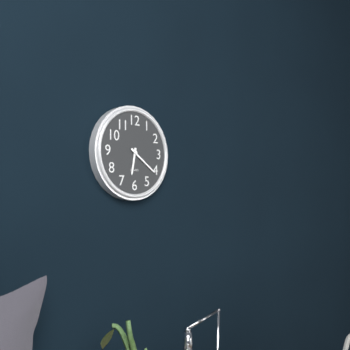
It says 6 h 21 min
